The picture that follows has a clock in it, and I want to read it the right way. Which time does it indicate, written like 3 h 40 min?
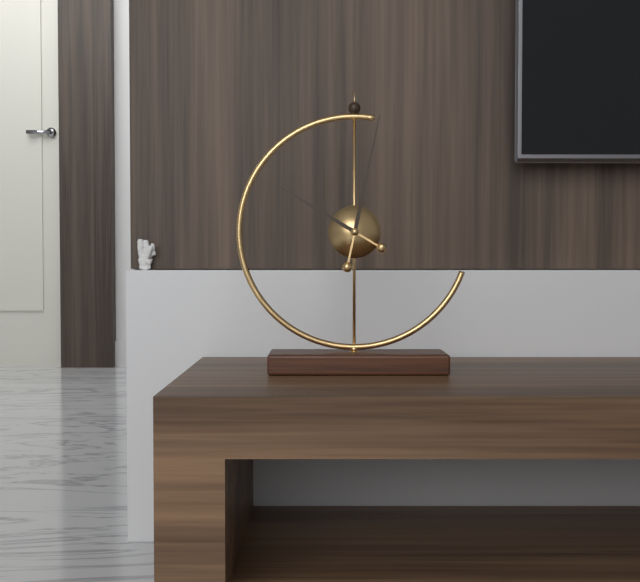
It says 10 h 02 min
